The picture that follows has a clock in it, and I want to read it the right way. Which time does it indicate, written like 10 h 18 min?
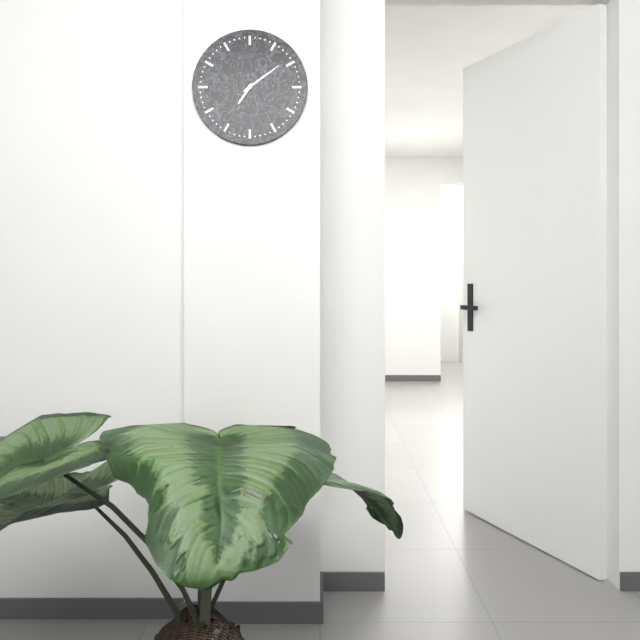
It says 7 h 09 min
